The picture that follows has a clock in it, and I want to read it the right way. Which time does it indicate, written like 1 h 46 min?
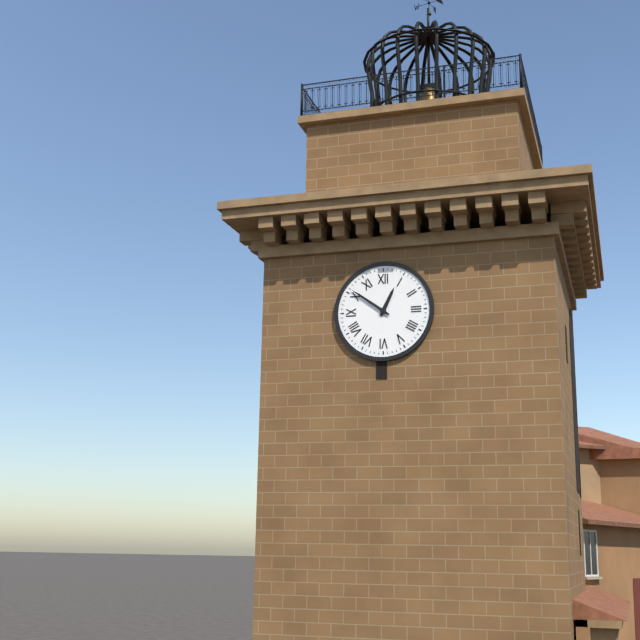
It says 12 h 51 min
